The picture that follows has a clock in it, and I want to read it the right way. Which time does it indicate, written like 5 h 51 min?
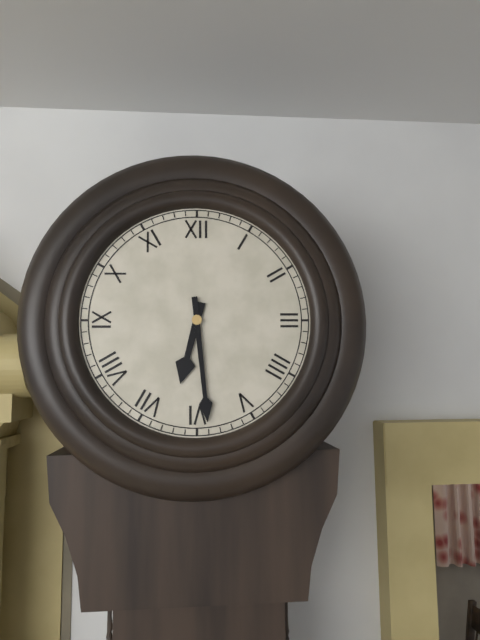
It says 6 h 29 min
